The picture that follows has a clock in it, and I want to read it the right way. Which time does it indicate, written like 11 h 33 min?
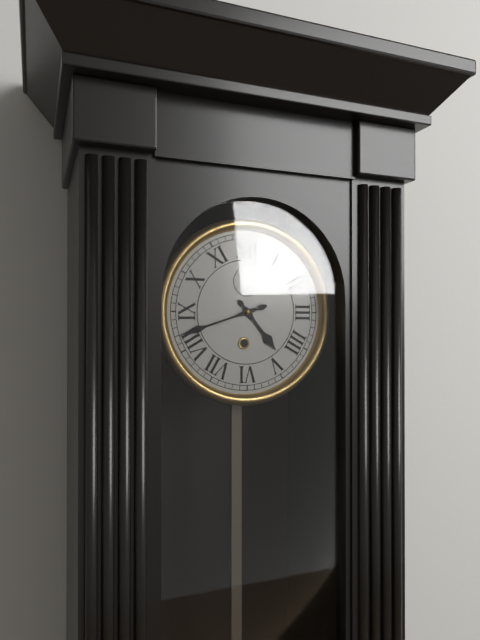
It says 4 h 42 min
